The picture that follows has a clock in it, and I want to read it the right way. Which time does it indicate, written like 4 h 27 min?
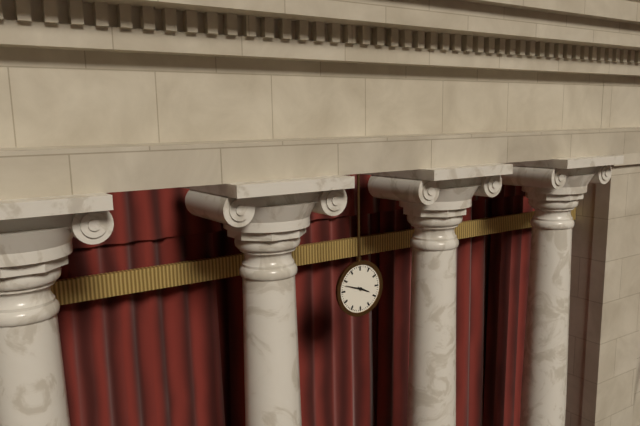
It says 3 h 48 min
